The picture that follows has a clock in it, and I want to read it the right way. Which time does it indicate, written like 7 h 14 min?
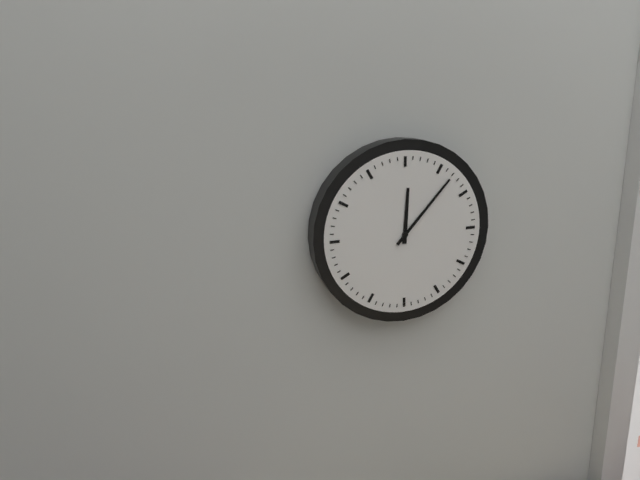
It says 12 h 07 min
